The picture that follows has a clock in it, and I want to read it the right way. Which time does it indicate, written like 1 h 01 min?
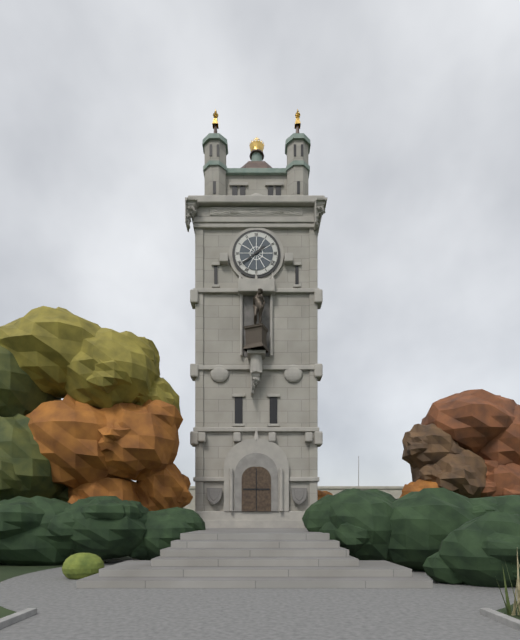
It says 1 h 39 min
